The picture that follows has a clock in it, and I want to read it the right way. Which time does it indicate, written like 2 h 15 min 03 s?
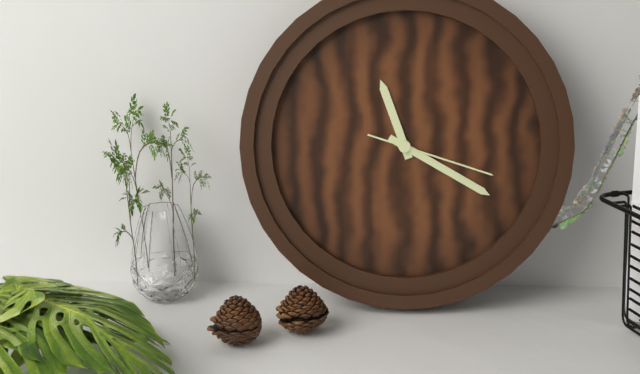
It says 11 h 20 min 18 s
